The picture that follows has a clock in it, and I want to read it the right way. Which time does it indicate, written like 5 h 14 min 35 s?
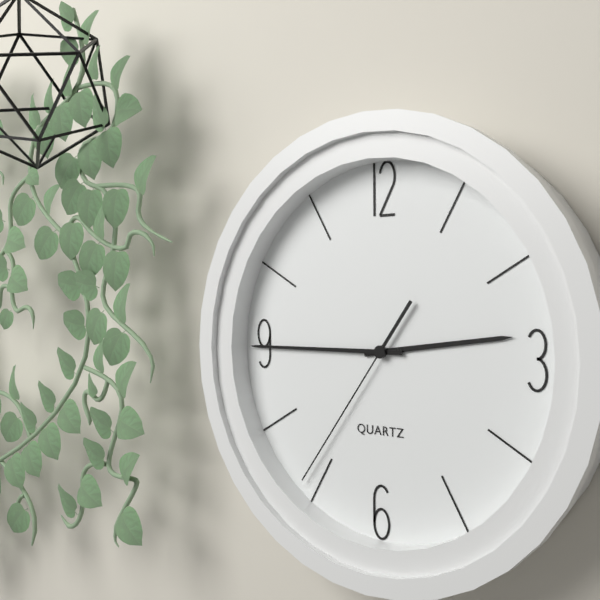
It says 2 h 45 min 36 s
